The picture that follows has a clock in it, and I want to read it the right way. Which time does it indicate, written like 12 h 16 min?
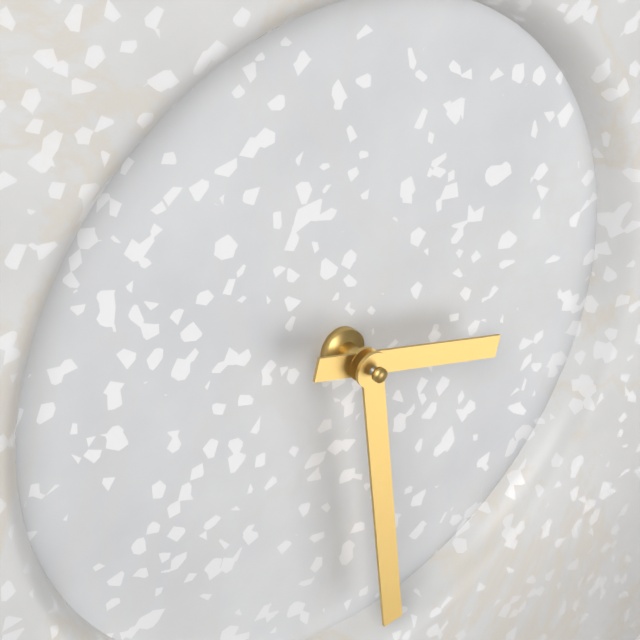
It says 3 h 29 min
